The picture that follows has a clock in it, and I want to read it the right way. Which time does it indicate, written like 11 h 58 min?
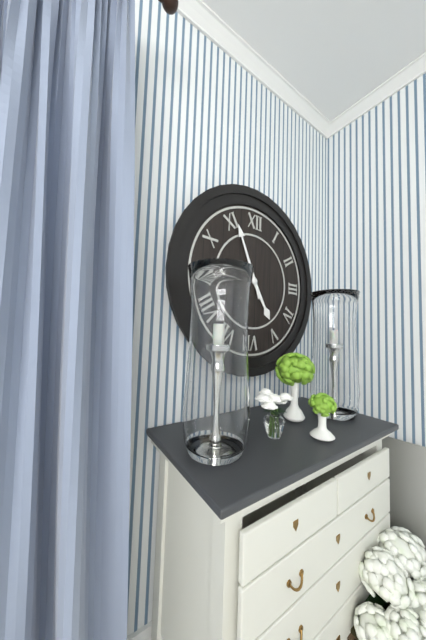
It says 4 h 56 min
